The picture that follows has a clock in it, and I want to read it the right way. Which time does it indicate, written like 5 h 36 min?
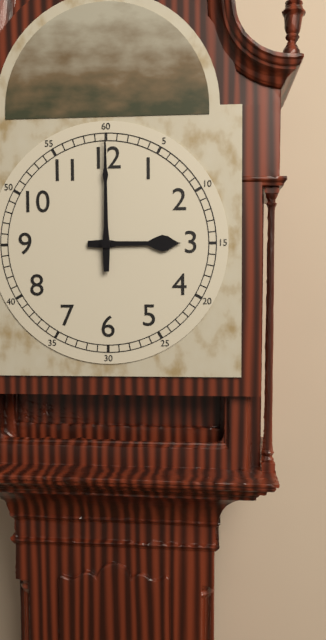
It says 3 h 00 min
